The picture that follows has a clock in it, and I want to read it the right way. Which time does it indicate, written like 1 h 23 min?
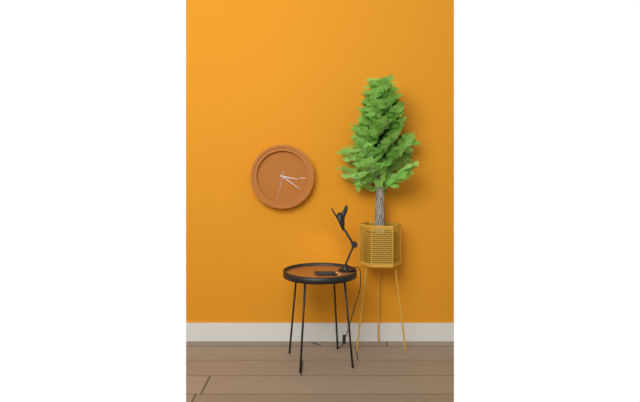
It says 3 h 21 min
